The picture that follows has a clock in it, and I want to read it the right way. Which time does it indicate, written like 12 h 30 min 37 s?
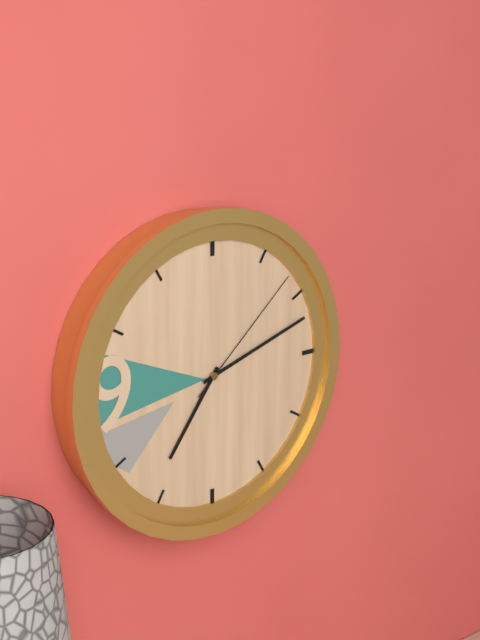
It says 7 h 12 min 08 s
